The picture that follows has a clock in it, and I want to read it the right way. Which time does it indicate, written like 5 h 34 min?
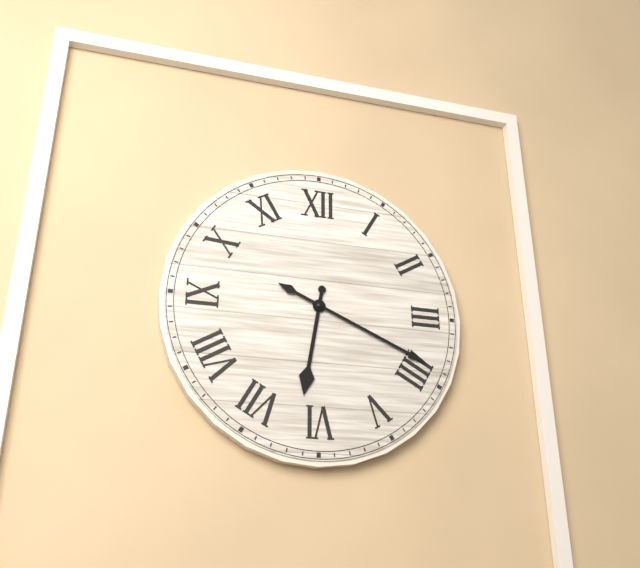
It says 6 h 19 min
